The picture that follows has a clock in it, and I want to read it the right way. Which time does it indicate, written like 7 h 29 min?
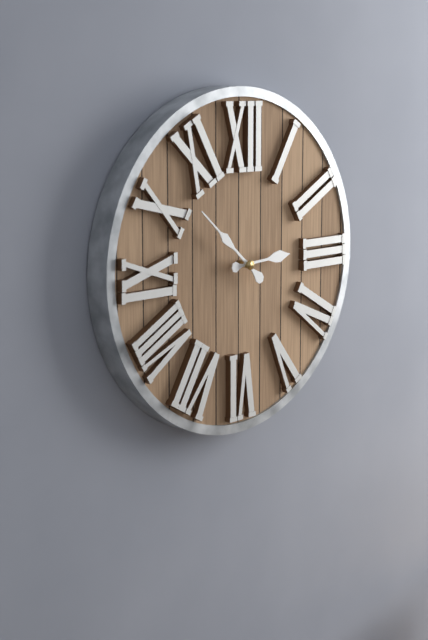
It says 2 h 52 min
